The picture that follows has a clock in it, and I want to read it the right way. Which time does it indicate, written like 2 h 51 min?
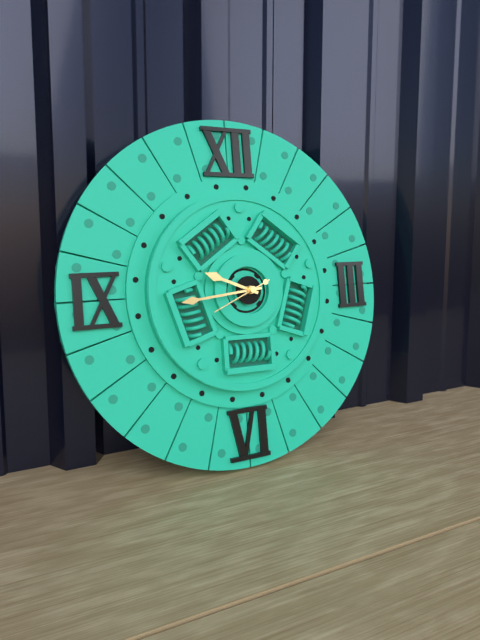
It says 9 h 44 min
